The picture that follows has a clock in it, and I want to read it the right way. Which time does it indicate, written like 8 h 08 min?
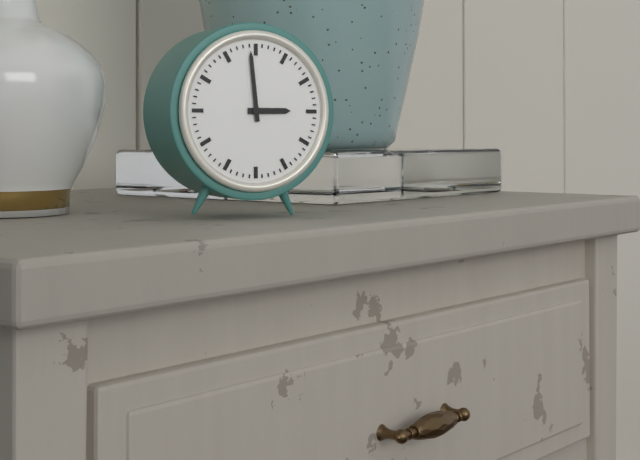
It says 2 h 59 min
